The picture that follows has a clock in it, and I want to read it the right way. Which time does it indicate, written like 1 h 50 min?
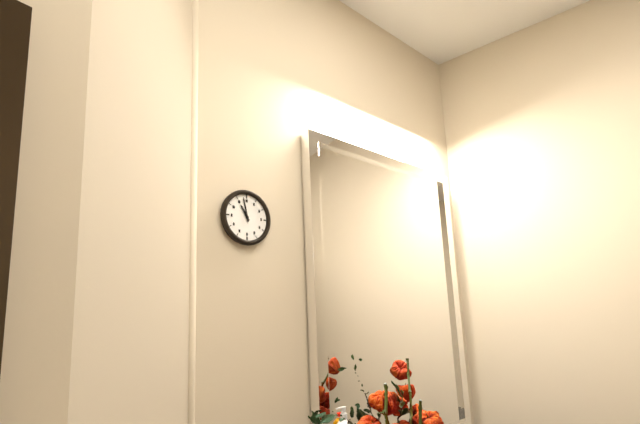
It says 10 h 58 min
